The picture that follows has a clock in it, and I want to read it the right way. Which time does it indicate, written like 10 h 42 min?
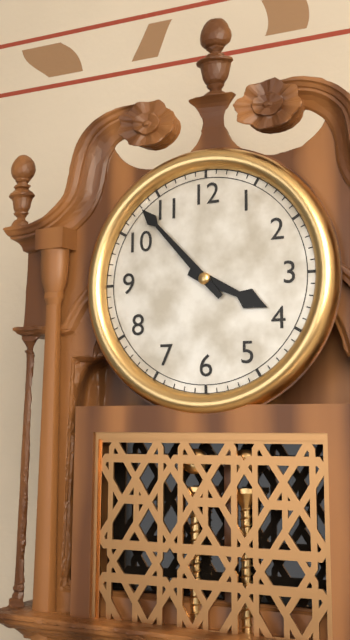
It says 3 h 53 min
